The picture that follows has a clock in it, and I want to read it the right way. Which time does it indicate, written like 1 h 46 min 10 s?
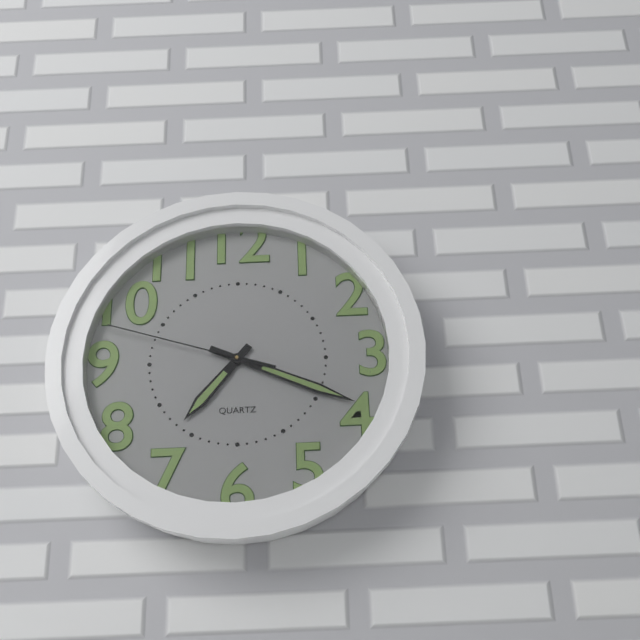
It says 7 h 19 min 48 s
